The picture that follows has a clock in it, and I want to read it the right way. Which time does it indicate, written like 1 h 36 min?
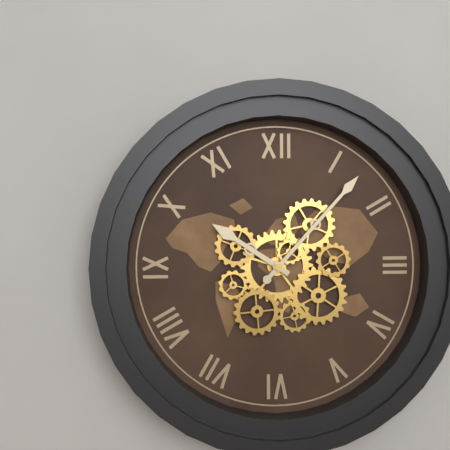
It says 10 h 07 min
